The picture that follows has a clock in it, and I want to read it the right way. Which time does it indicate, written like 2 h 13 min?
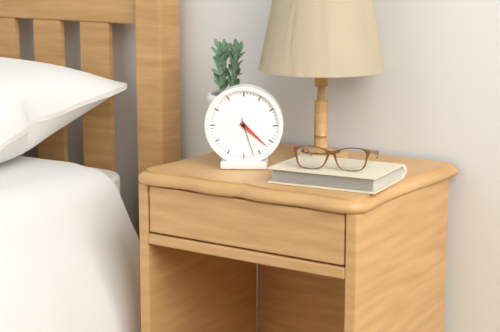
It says 4 h 22 min
